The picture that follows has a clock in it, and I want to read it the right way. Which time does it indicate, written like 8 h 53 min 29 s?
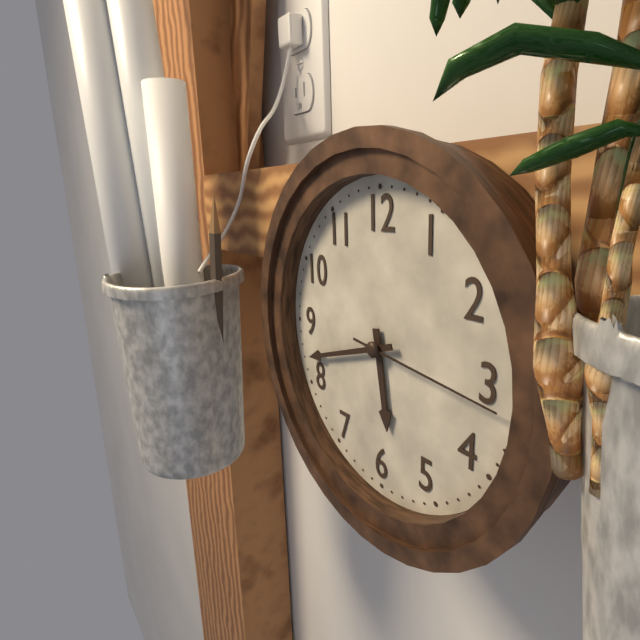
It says 5 h 42 min 16 s
